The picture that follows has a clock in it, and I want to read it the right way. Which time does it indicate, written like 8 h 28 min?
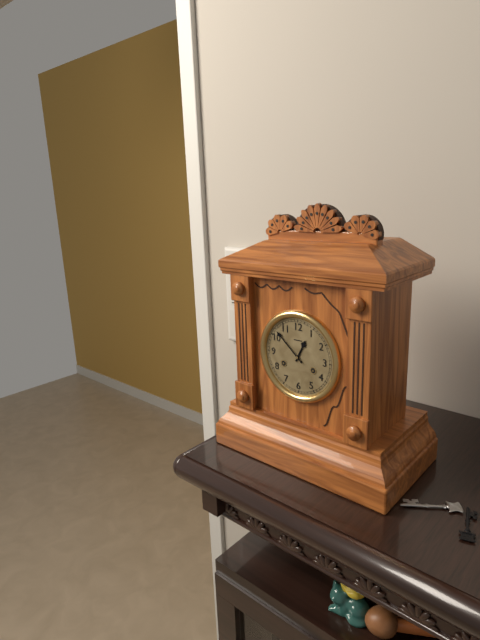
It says 12 h 52 min
